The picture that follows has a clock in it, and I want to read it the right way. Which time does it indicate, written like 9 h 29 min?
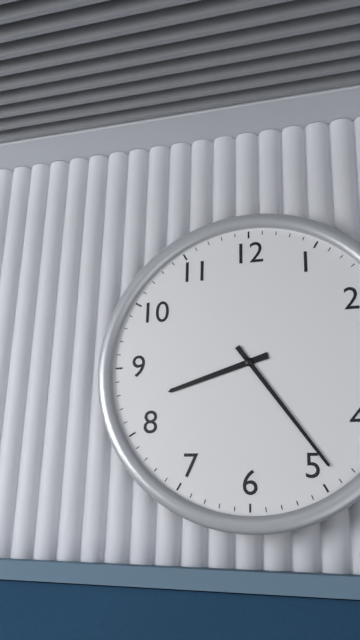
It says 8 h 24 min
